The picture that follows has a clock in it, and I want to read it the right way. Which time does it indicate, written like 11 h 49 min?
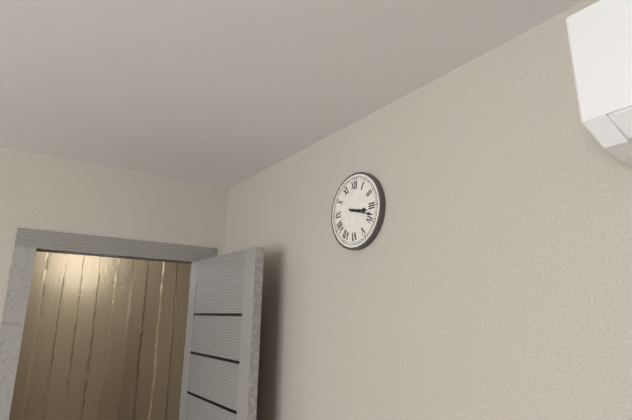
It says 3 h 18 min
